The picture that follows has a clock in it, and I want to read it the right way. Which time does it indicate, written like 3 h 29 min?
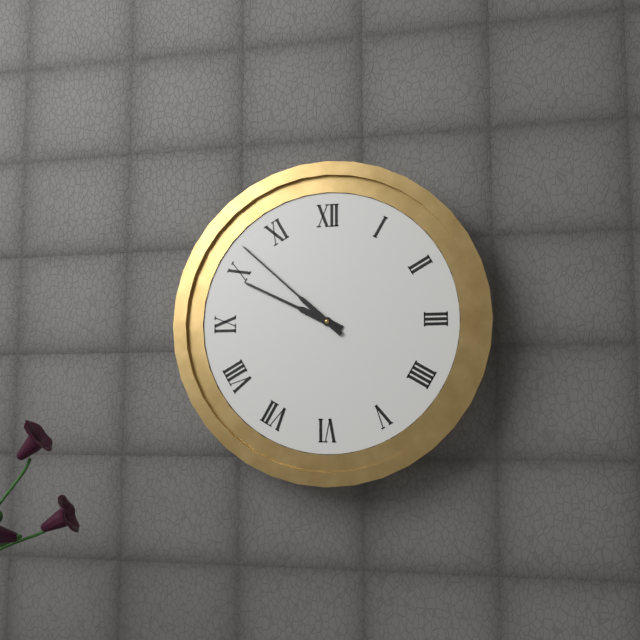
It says 9 h 52 min
